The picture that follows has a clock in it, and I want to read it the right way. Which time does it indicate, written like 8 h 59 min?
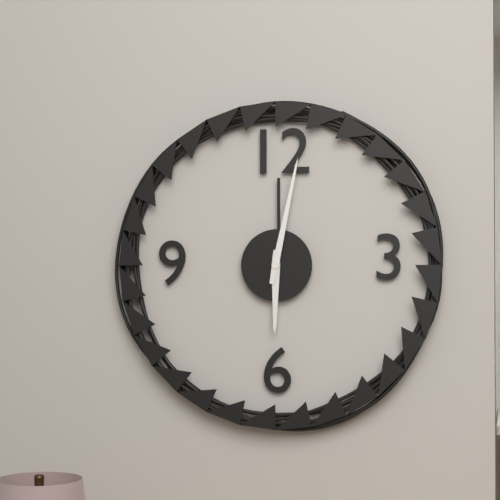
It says 6 h 02 min
